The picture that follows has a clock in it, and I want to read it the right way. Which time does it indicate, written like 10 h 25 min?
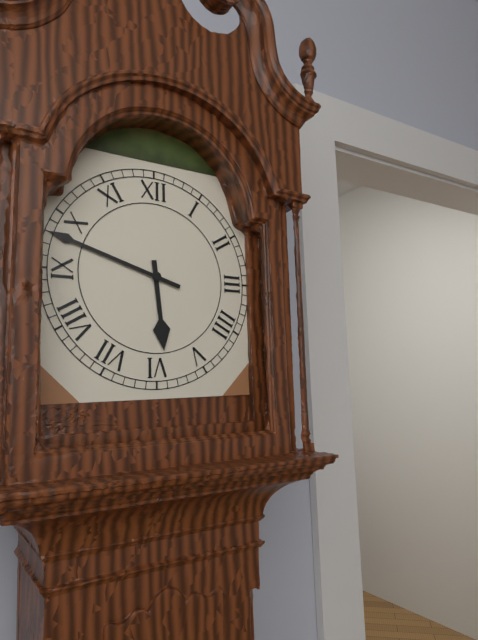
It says 5 h 48 min
